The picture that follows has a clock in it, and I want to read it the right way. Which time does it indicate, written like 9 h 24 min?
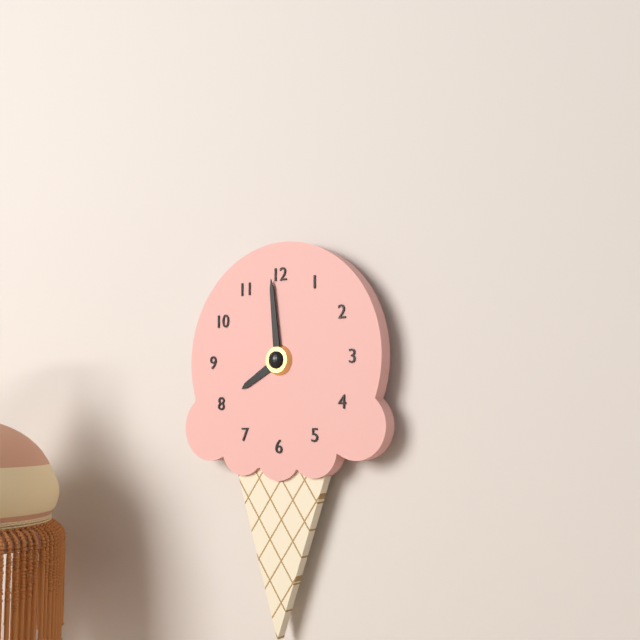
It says 7 h 59 min
